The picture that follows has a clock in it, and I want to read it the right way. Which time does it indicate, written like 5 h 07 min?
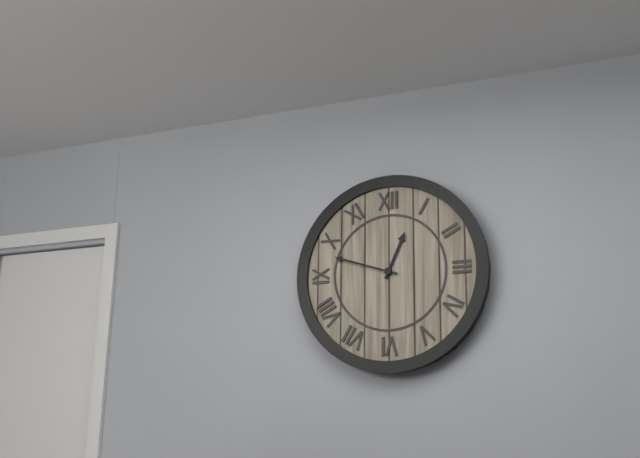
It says 12 h 48 min
